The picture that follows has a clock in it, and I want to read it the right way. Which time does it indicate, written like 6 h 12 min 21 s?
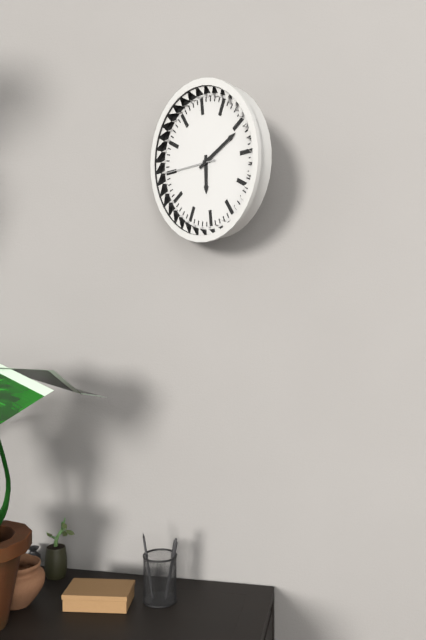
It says 6 h 11 min 45 s
